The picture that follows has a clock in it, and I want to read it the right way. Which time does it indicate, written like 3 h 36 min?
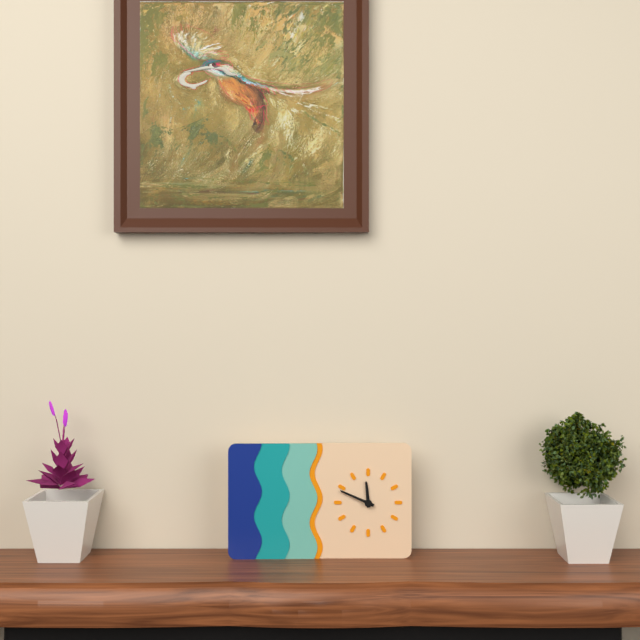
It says 11 h 49 min
